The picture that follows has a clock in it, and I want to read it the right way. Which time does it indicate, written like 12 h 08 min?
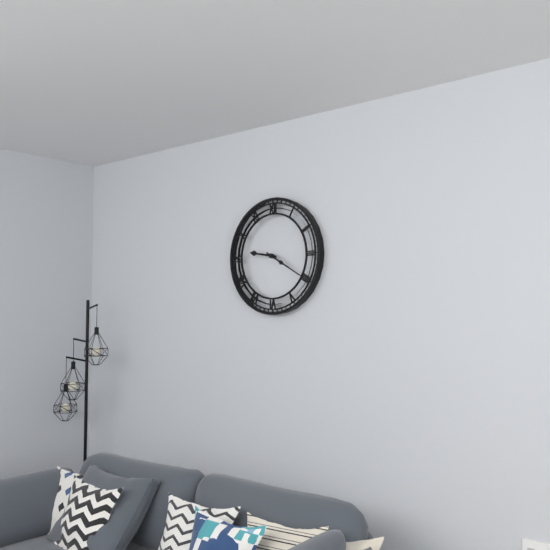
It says 9 h 20 min
